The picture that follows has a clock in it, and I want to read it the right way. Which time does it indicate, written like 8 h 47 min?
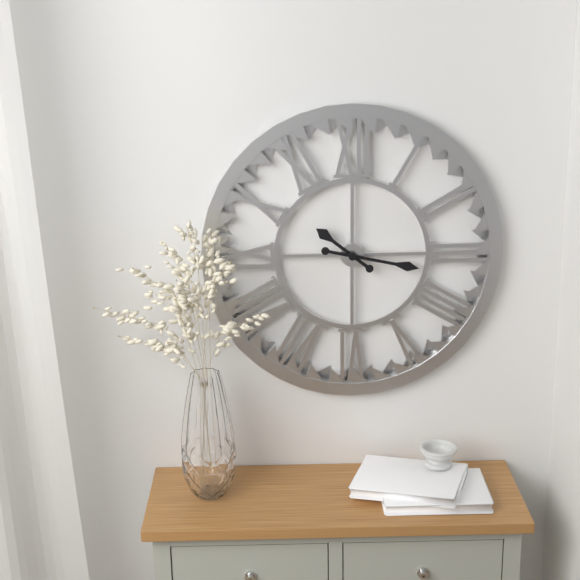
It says 10 h 17 min
